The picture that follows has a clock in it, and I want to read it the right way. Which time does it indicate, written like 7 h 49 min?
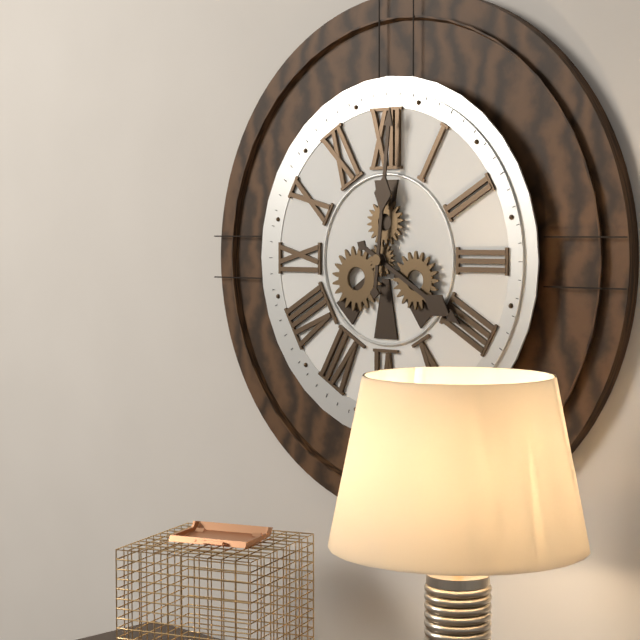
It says 4 h 01 min
